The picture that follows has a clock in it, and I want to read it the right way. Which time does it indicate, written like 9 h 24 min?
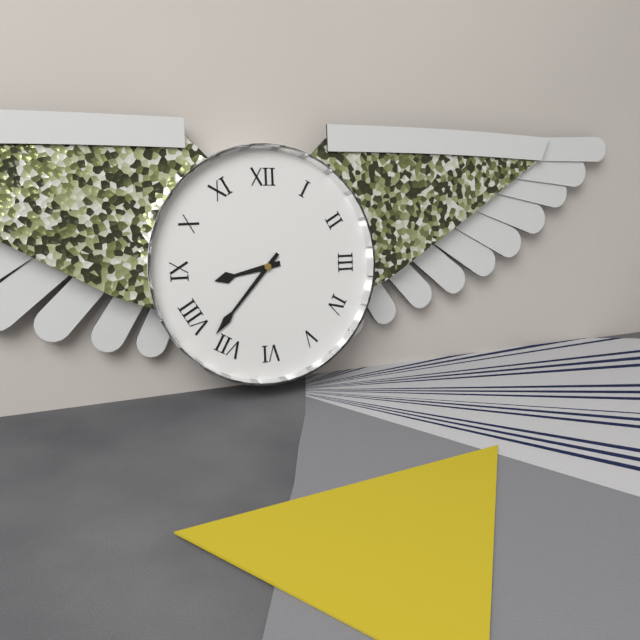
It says 8 h 37 min
